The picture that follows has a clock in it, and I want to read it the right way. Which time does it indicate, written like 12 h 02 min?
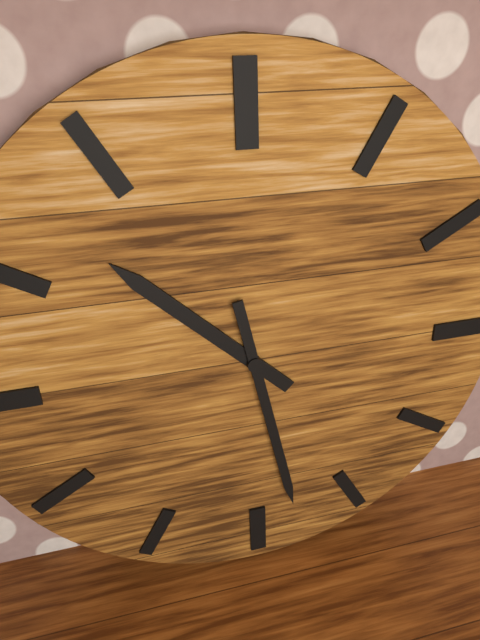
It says 10 h 28 min
